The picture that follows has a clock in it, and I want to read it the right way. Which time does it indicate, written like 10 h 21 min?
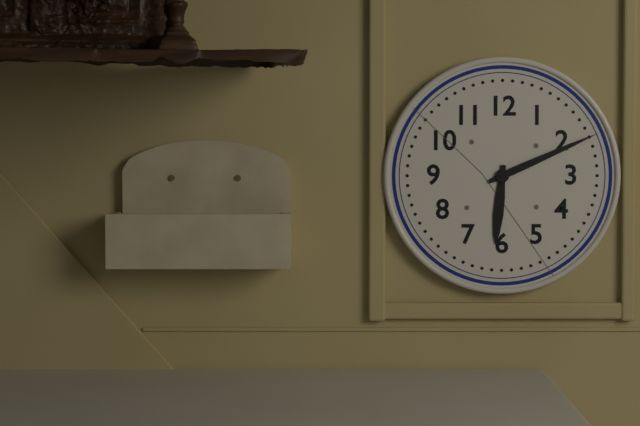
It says 6 h 11 min
